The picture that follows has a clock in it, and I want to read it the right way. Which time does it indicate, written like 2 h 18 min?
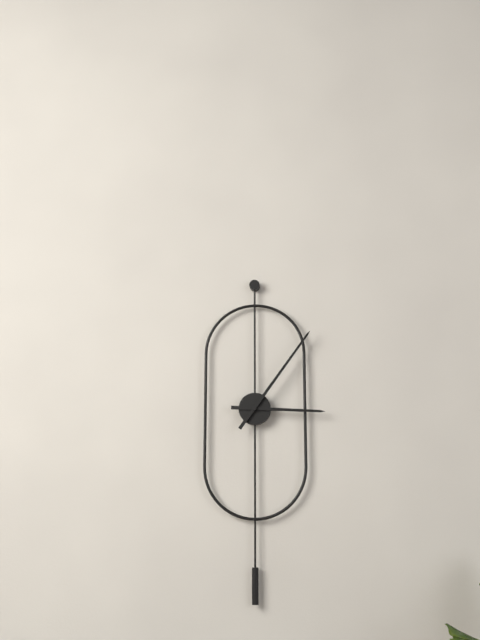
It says 3 h 06 min
